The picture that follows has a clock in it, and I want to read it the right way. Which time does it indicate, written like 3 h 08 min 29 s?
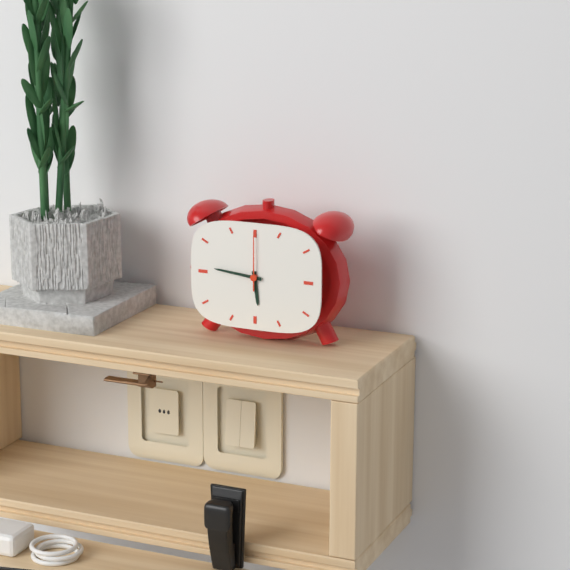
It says 5 h 46 min 00 s
